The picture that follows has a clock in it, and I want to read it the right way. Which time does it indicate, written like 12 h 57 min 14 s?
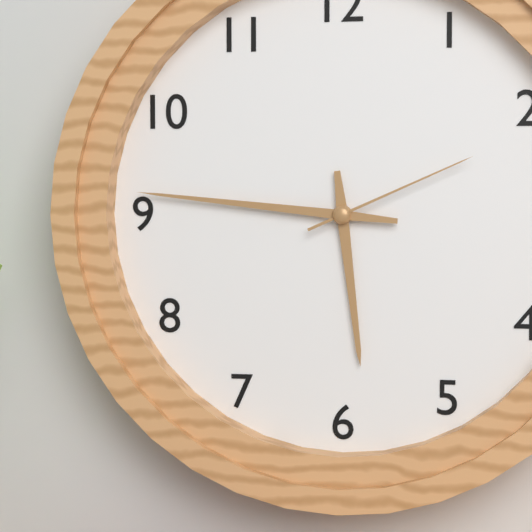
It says 5 h 46 min 11 s
